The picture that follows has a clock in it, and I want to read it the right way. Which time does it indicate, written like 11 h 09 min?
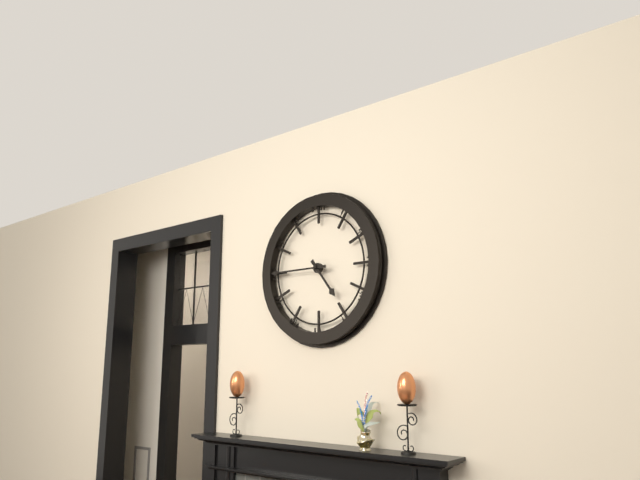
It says 4 h 45 min
